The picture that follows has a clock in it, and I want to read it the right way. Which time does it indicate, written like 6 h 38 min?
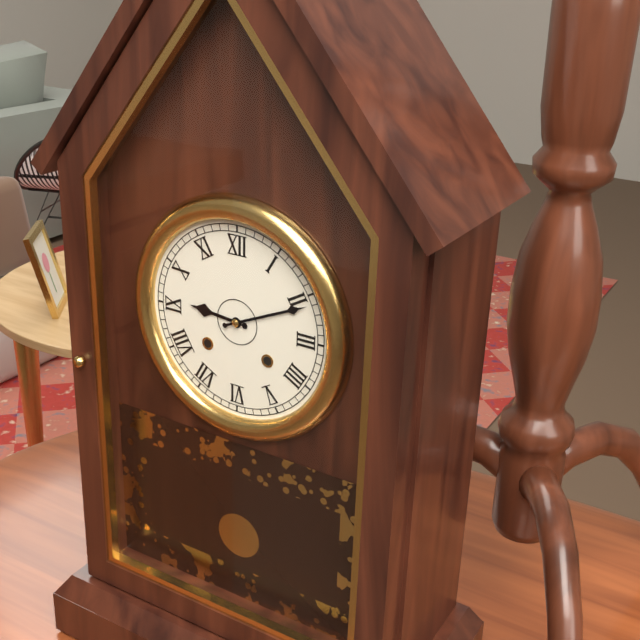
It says 9 h 11 min
